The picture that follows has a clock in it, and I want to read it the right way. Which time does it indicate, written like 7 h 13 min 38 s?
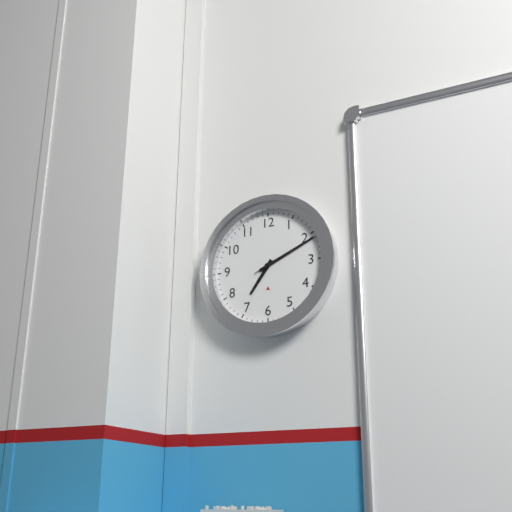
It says 7 h 11 min 11 s
